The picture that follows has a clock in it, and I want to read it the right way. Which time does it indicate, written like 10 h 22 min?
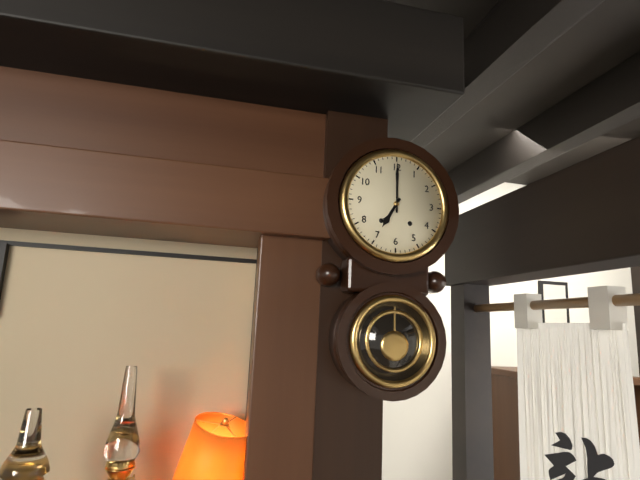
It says 7 h 00 min
